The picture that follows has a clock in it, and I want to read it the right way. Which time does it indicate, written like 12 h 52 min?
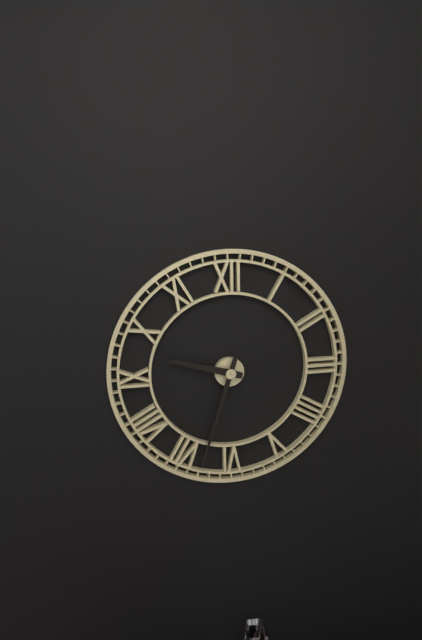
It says 9 h 33 min
